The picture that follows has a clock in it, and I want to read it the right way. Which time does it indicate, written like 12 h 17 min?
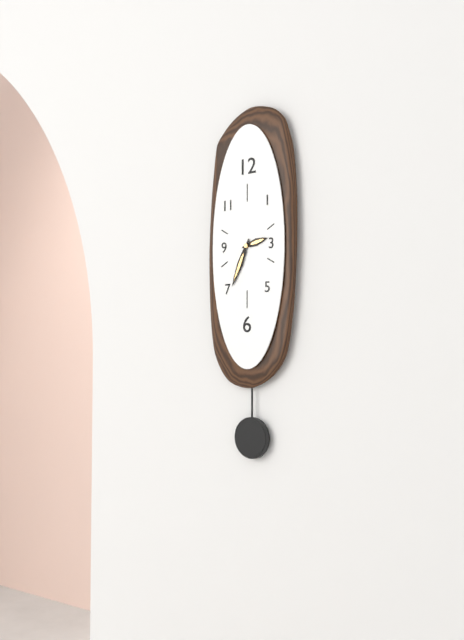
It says 2 h 34 min
